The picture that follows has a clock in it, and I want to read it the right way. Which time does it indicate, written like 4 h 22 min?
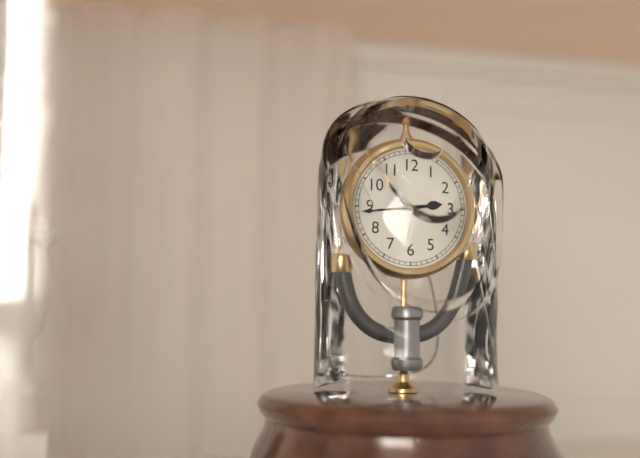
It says 2 h 44 min
